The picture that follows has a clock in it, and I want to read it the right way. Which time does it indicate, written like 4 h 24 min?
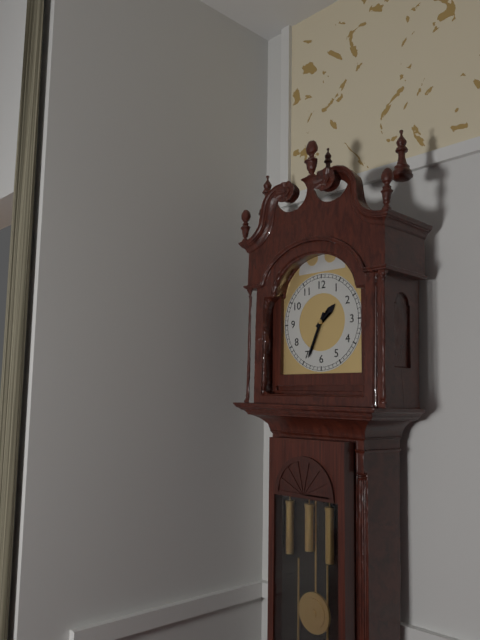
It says 1 h 34 min
